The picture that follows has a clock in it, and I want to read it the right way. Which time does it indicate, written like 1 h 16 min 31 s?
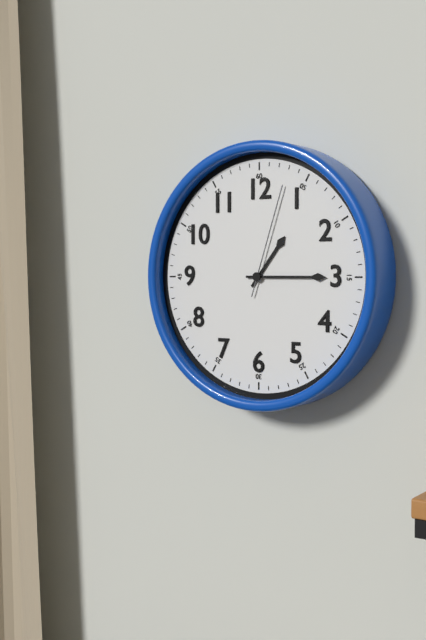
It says 1 h 15 min 03 s
